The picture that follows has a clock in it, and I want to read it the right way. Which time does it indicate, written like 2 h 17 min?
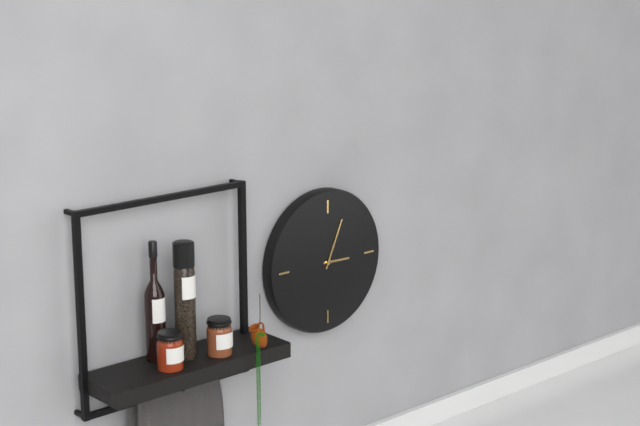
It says 3 h 04 min
